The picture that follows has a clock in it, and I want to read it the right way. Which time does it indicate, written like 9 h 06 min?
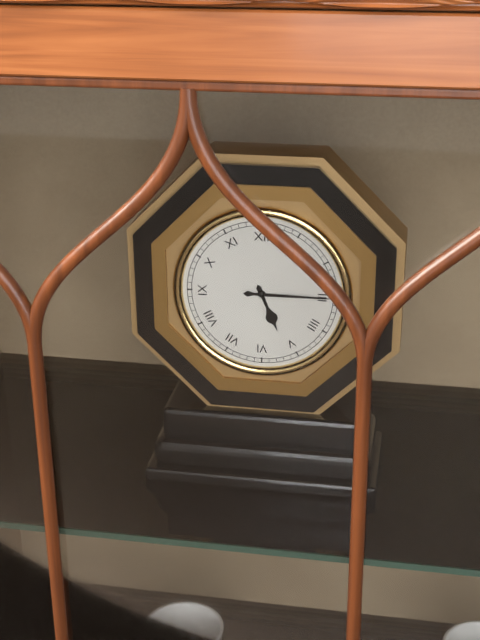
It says 5 h 15 min
